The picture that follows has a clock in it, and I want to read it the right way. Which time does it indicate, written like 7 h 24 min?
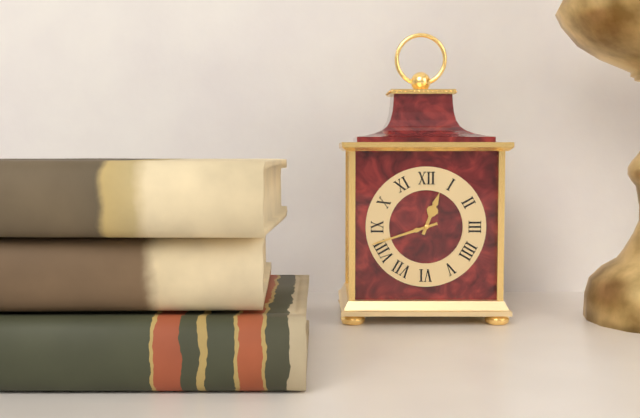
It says 12 h 42 min
